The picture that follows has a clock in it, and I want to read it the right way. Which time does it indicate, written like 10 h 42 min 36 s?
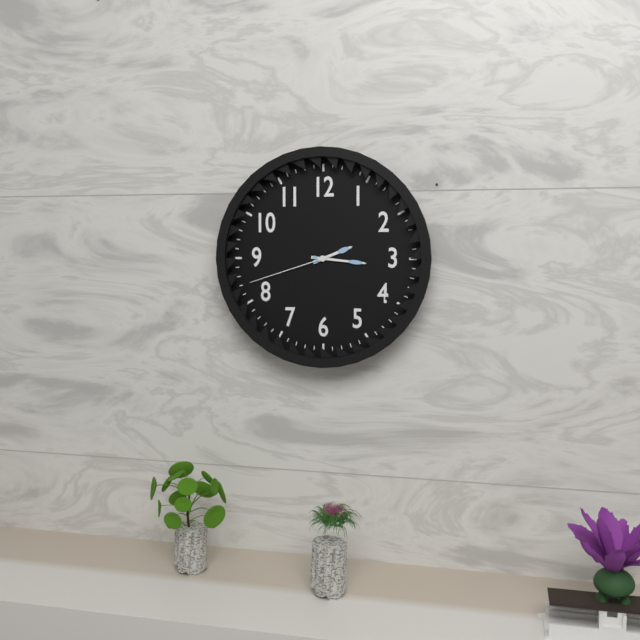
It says 2 h 16 min 42 s
